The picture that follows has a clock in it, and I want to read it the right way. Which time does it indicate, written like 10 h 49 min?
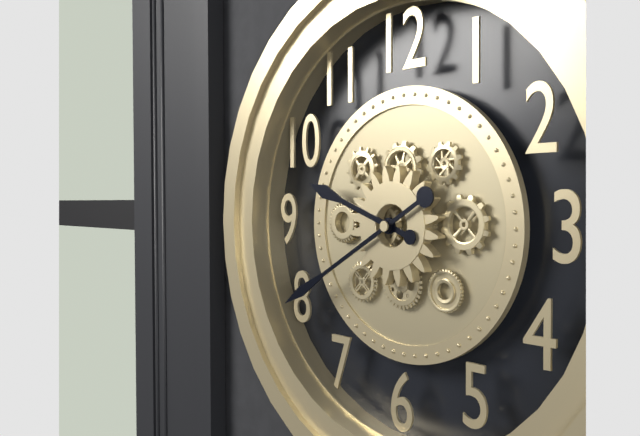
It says 9 h 40 min
